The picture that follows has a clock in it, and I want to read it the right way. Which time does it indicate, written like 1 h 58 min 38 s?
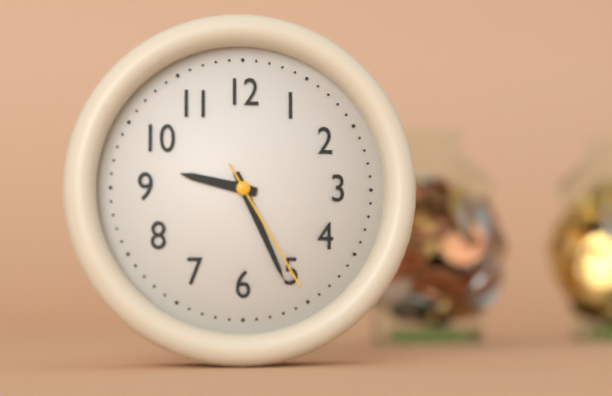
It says 9 h 26 min 25 s
